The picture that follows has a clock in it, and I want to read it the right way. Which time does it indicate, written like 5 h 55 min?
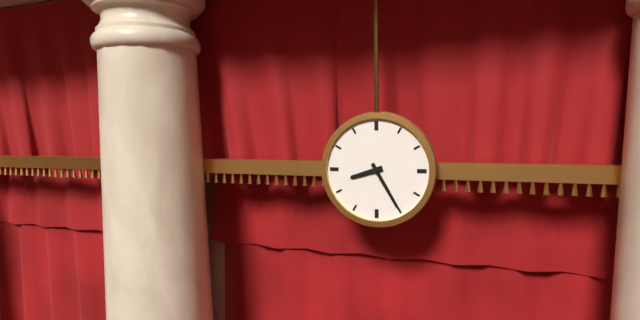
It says 8 h 25 min
